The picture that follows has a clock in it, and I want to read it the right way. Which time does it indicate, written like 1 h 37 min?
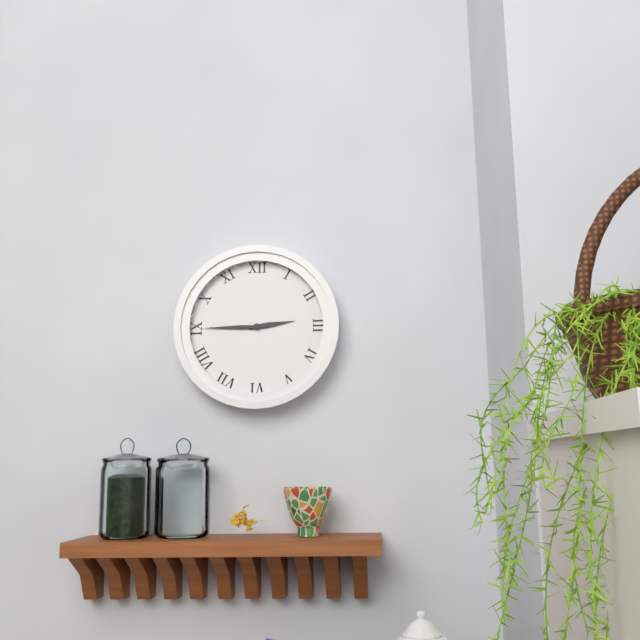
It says 2 h 45 min
